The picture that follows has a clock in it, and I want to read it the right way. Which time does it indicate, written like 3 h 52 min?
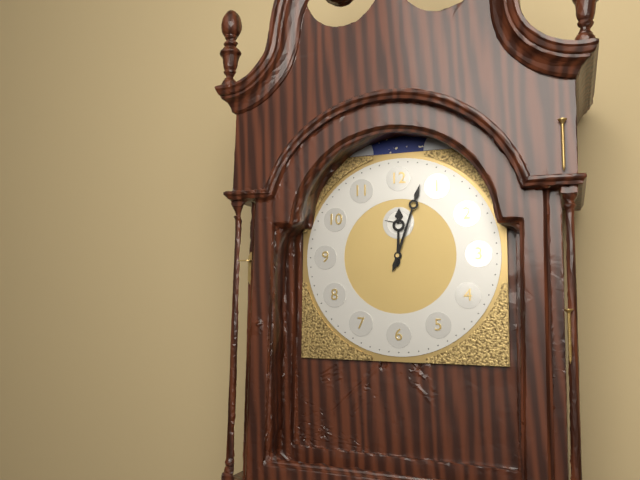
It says 12 h 03 min
